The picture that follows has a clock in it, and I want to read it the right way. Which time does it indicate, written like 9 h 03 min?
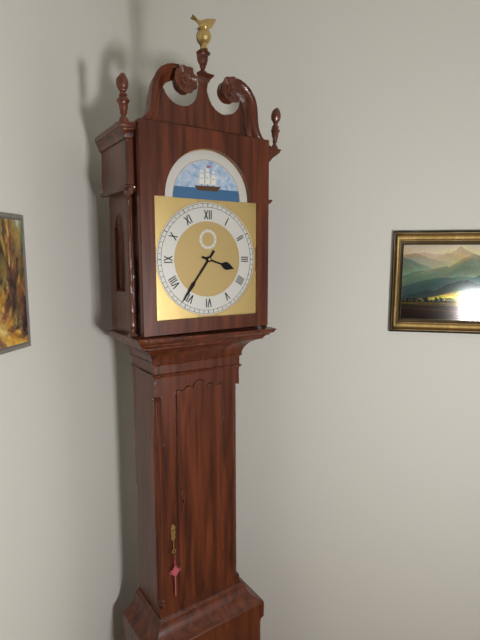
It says 3 h 36 min
